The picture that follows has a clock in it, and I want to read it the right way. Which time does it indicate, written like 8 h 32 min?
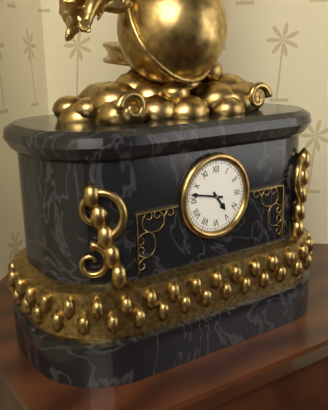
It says 4 h 47 min
